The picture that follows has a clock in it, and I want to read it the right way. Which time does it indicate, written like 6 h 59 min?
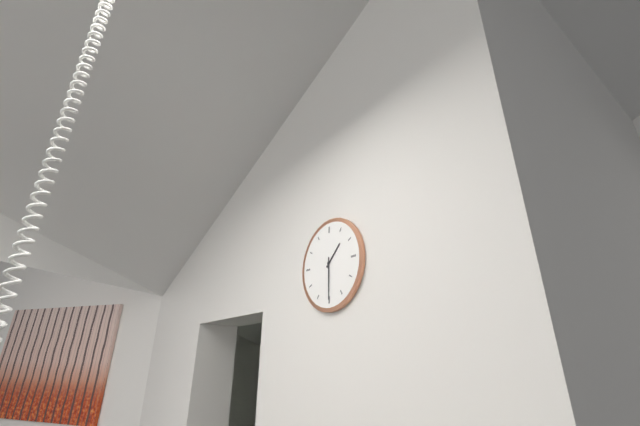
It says 1 h 30 min
